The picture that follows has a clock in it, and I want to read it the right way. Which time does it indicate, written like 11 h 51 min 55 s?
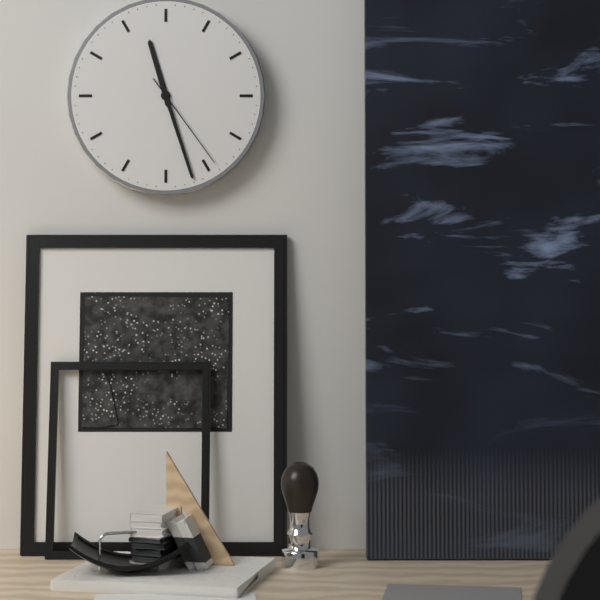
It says 11 h 27 min 24 s
